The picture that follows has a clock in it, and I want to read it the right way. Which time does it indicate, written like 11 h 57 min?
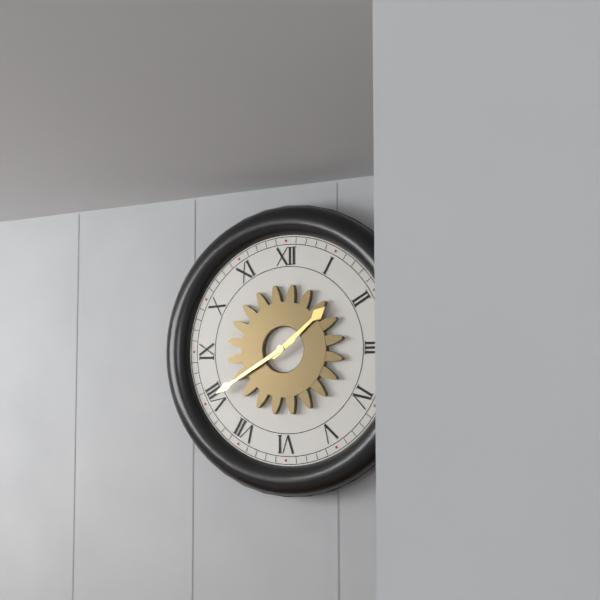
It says 1 h 40 min
